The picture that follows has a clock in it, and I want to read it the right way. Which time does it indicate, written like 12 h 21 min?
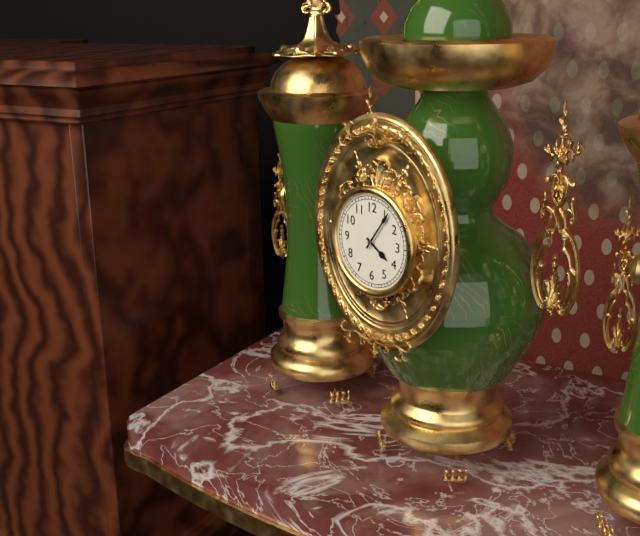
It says 4 h 06 min
